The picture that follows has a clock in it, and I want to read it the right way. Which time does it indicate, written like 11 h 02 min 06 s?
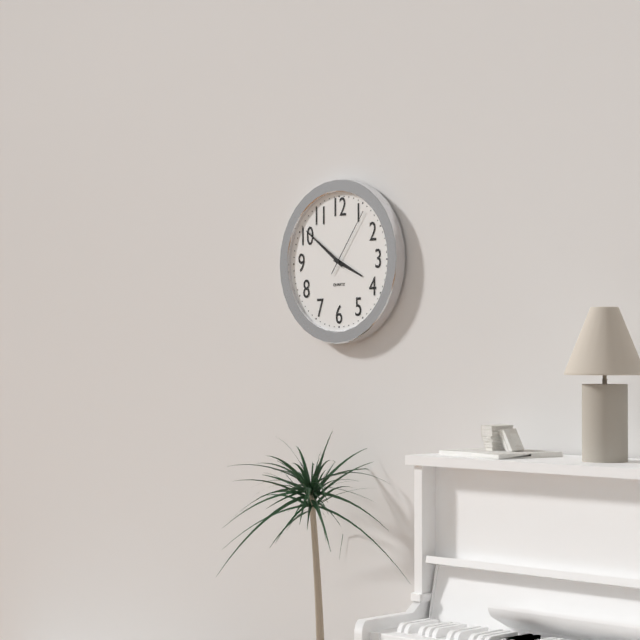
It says 3 h 51 min 06 s
